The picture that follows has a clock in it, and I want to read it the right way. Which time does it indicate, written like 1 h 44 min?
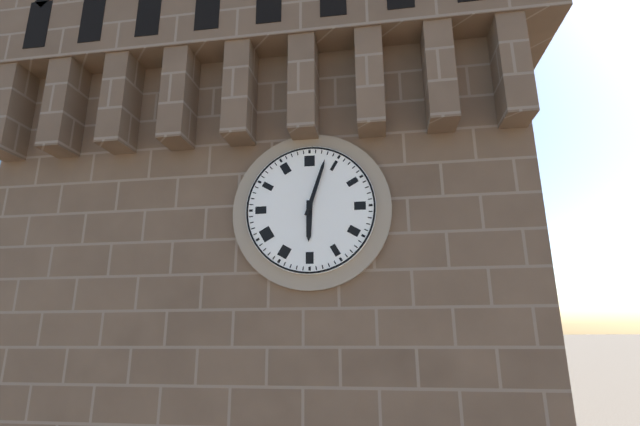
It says 6 h 03 min
